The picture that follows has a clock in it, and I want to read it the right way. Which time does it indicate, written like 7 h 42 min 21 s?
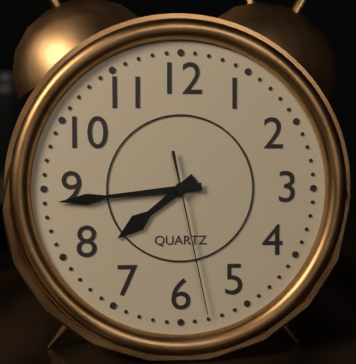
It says 7 h 44 min 28 s
